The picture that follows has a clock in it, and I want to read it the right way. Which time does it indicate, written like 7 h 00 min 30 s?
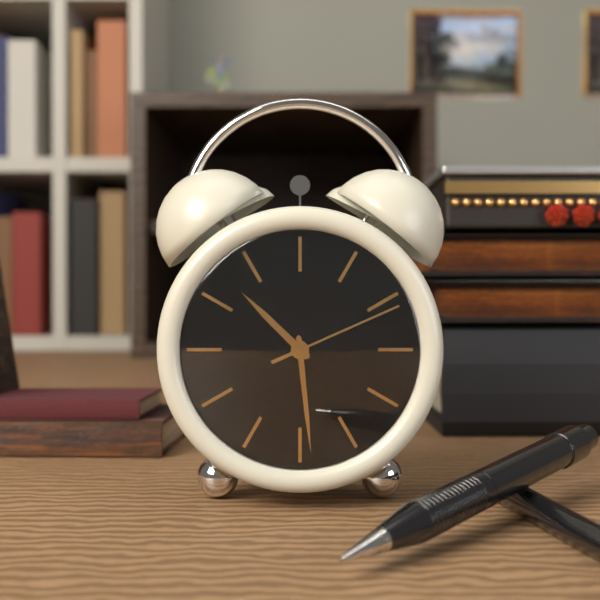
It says 10 h 29 min 11 s
